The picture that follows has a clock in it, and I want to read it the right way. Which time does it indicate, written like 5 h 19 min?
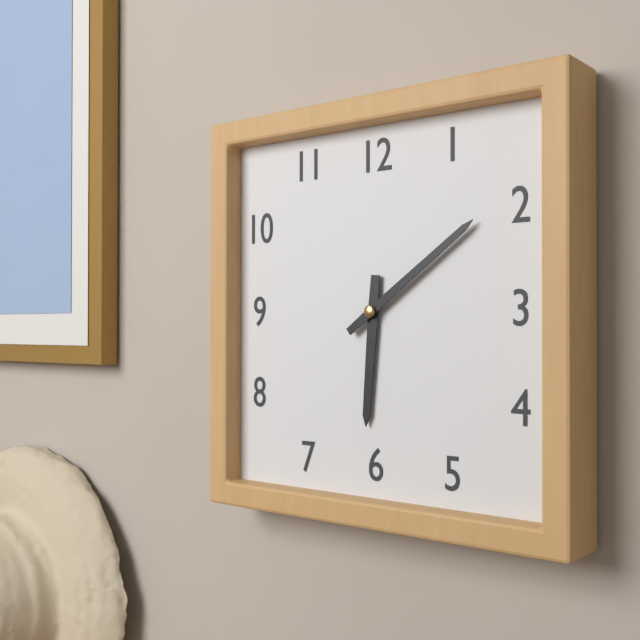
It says 6 h 09 min
